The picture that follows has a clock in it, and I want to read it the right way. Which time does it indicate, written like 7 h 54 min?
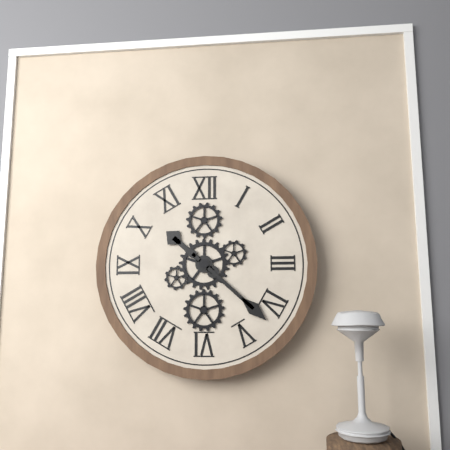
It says 10 h 22 min
